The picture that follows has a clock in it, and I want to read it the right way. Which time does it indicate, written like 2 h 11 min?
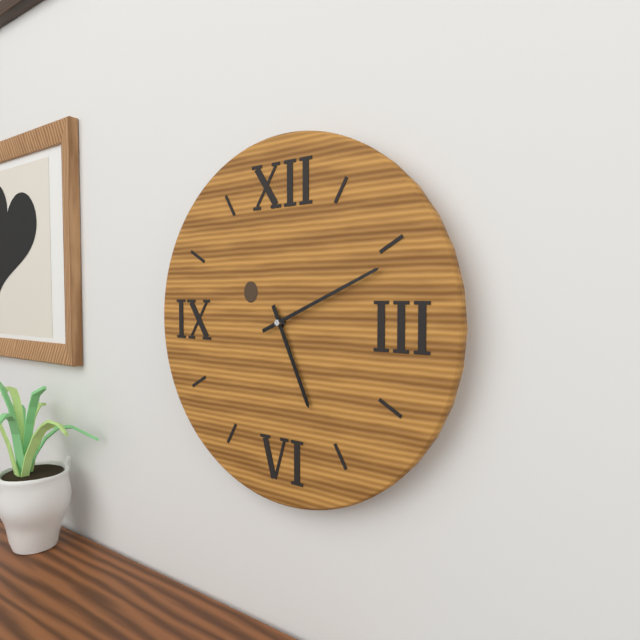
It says 5 h 11 min
